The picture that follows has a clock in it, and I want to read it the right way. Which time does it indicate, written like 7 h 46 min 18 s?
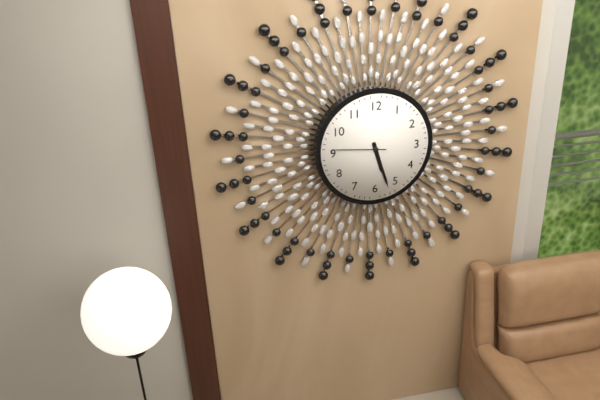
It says 5 h 27 min 46 s
